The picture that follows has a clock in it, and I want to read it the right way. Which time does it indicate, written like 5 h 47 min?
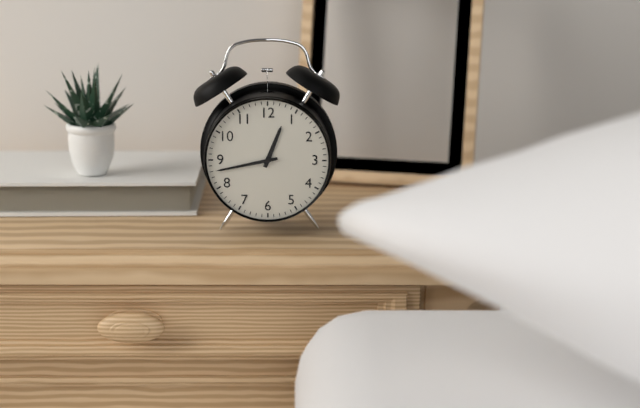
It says 12 h 43 min
